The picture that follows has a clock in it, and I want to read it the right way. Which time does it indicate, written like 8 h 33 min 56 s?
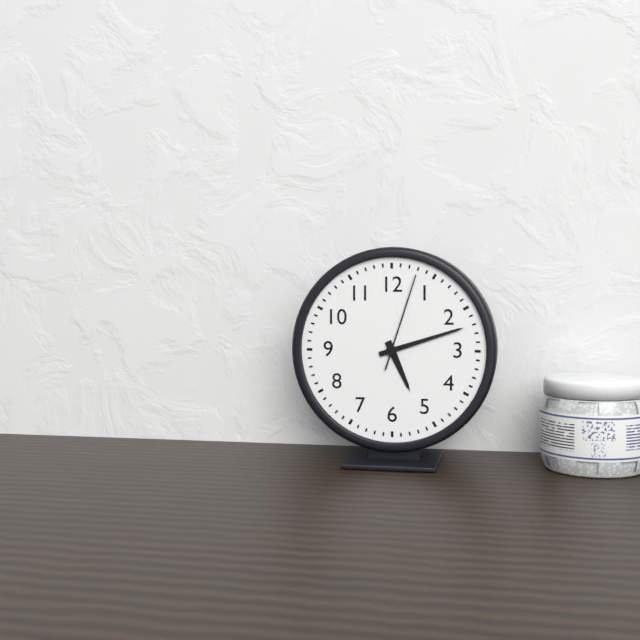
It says 5 h 12 min 03 s
